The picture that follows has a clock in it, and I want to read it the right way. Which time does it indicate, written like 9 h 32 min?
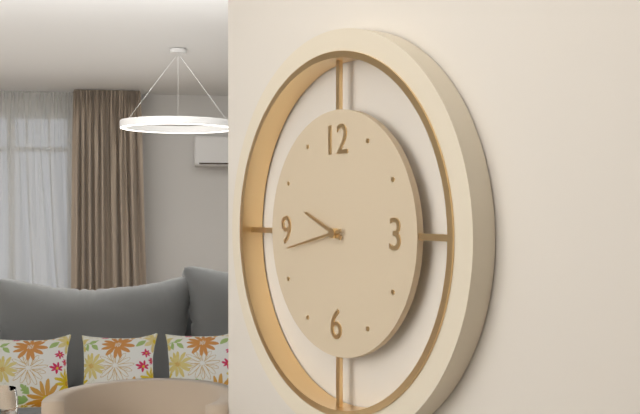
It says 9 h 43 min
